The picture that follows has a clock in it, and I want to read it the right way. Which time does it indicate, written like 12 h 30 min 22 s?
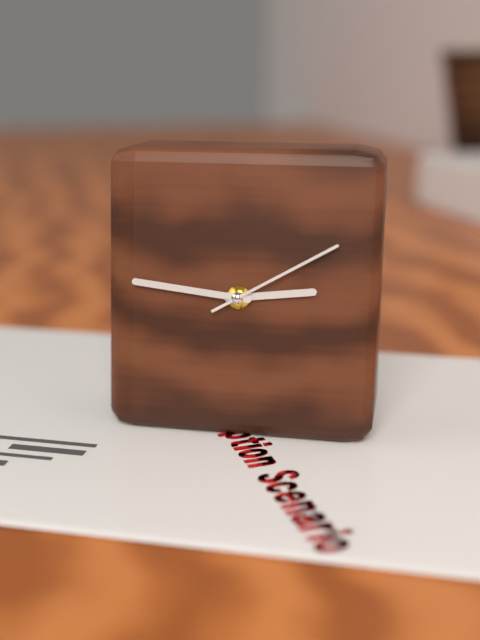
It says 2 h 46 min 10 s
